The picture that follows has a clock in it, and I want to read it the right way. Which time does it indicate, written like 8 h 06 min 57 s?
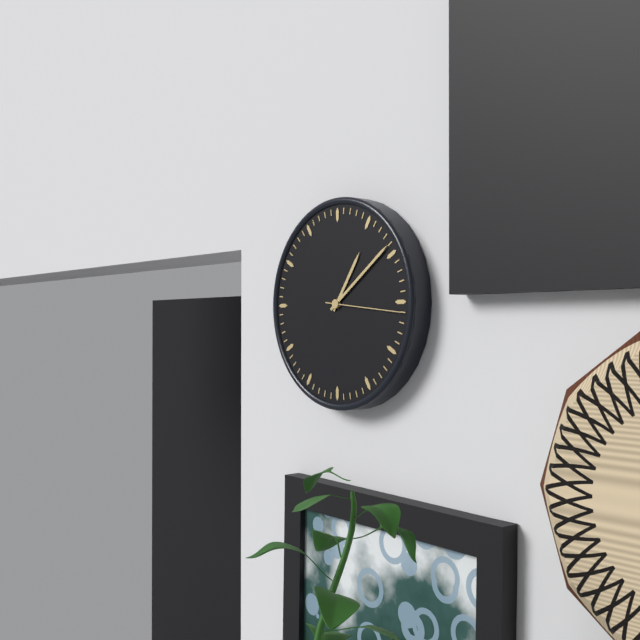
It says 1 h 09 min 16 s
